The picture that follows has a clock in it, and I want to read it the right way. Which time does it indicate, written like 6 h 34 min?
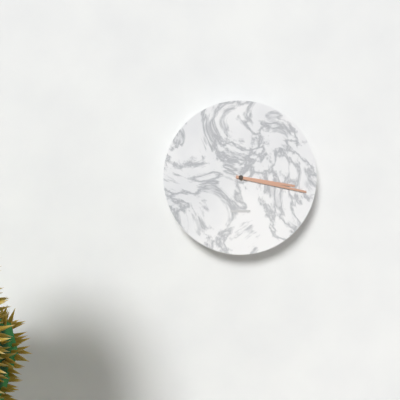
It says 3 h 17 min
